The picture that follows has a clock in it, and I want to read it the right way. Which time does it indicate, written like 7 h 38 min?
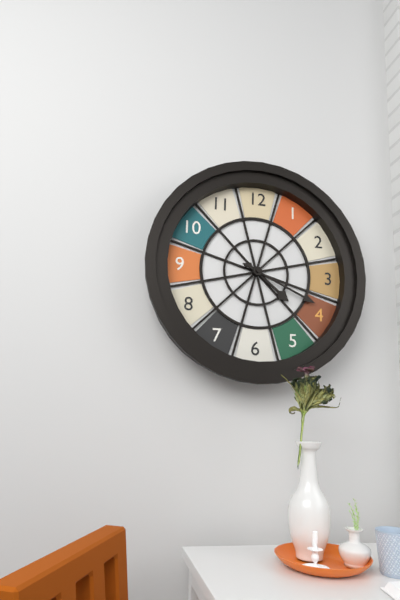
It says 4 h 19 min
